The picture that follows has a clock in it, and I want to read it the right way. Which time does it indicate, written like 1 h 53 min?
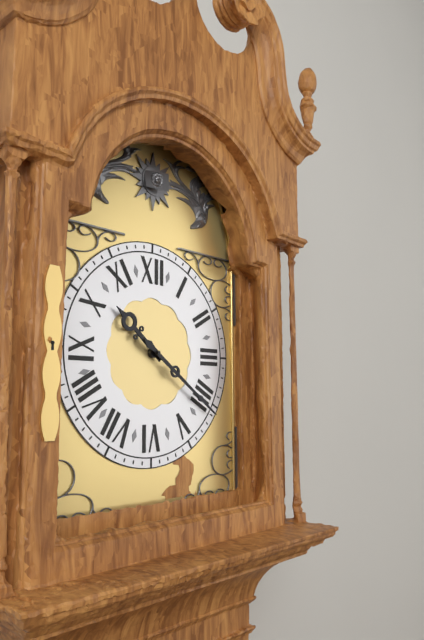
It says 10 h 21 min
